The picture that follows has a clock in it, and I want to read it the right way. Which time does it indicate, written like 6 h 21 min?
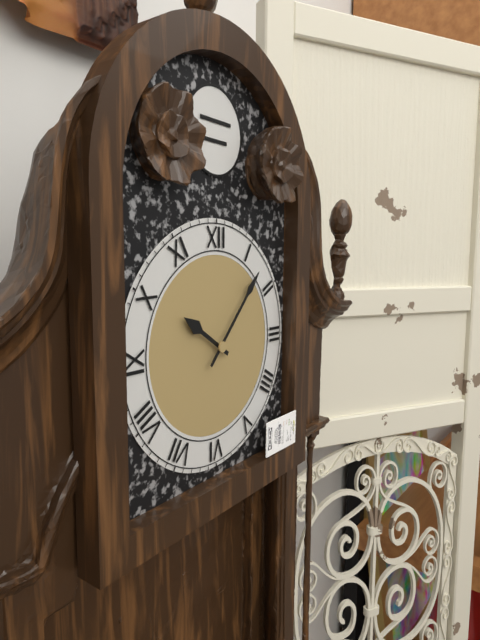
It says 10 h 07 min
